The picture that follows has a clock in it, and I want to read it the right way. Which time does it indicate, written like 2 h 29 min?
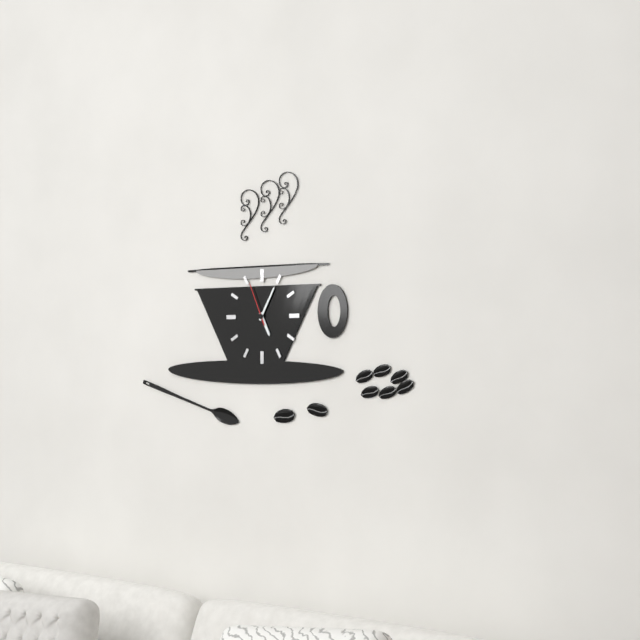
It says 5 h 05 min
